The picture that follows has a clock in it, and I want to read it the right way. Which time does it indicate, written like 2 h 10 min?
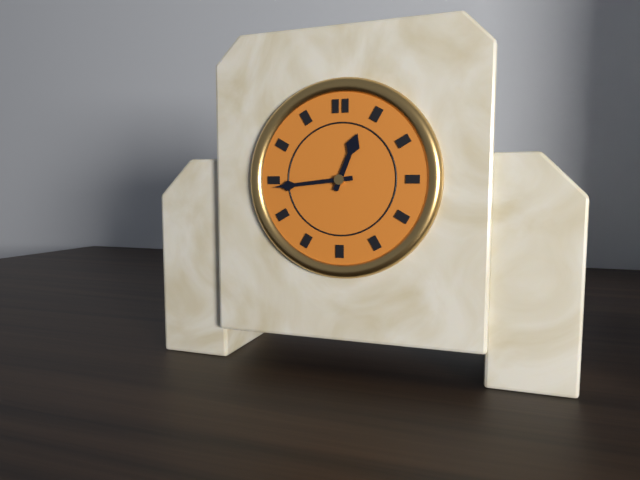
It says 12 h 44 min
